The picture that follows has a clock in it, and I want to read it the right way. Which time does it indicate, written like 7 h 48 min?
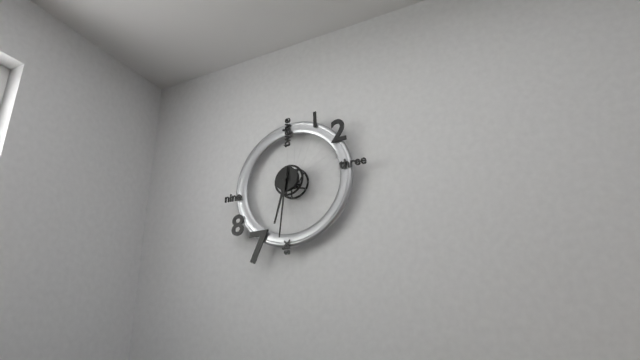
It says 6 h 31 min
